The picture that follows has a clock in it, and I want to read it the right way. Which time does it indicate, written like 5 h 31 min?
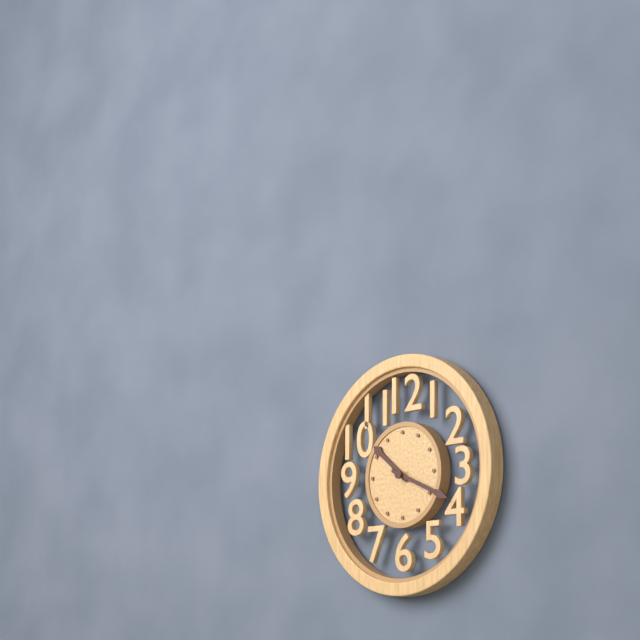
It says 10 h 19 min
